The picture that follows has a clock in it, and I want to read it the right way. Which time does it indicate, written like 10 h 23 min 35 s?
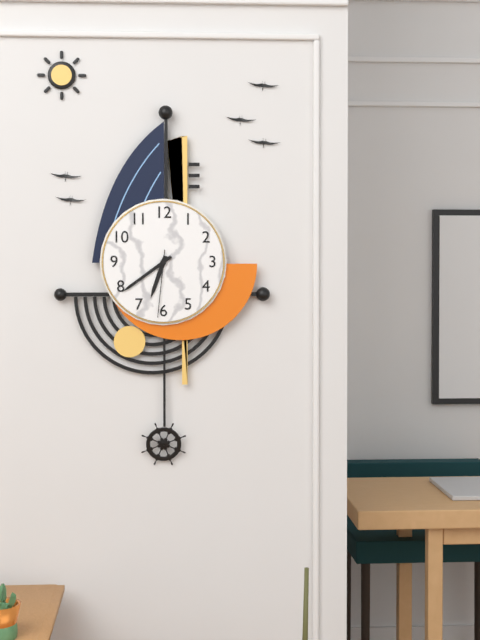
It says 6 h 39 min 31 s
